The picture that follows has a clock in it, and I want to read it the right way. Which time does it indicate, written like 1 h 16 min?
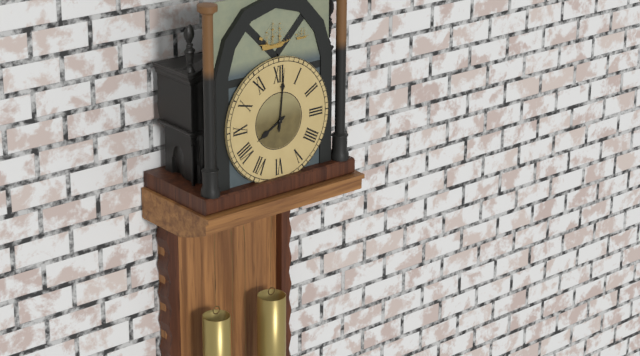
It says 8 h 01 min
